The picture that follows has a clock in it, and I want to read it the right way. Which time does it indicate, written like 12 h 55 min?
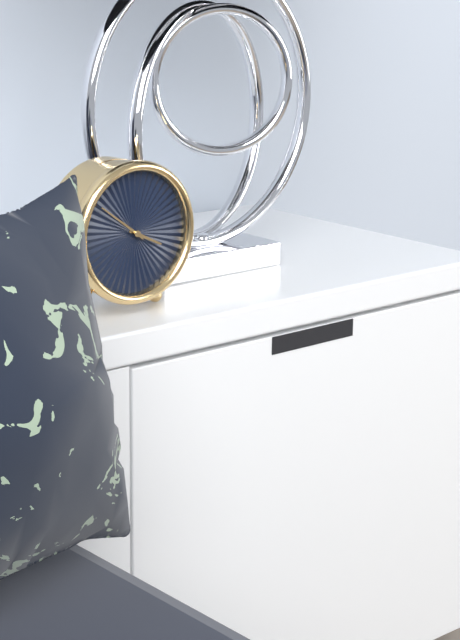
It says 3 h 51 min
